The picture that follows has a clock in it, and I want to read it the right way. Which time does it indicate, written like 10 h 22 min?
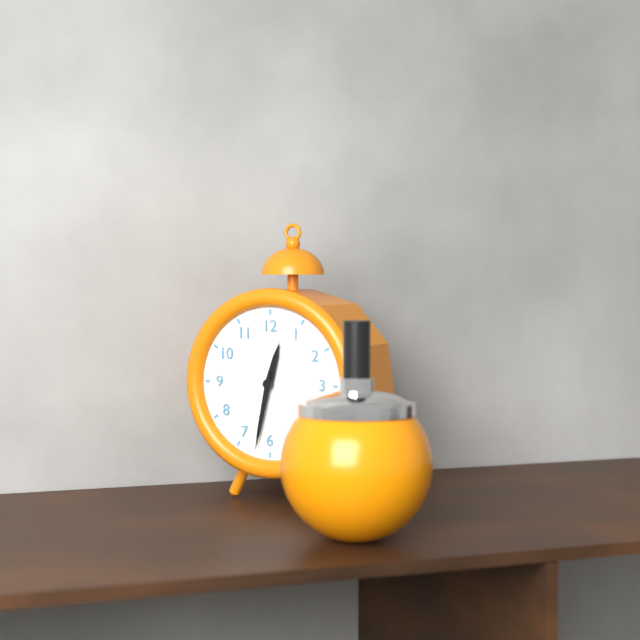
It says 12 h 32 min
